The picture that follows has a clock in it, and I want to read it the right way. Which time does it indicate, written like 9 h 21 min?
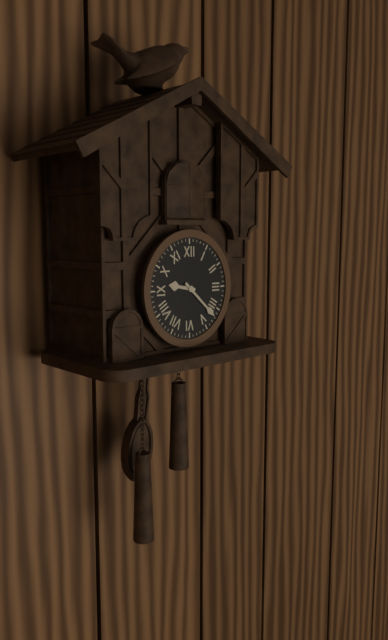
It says 9 h 22 min
